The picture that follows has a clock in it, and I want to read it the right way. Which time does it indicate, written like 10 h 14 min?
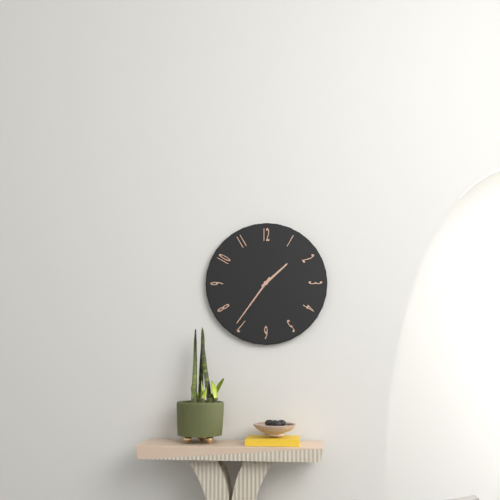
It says 1 h 36 min
